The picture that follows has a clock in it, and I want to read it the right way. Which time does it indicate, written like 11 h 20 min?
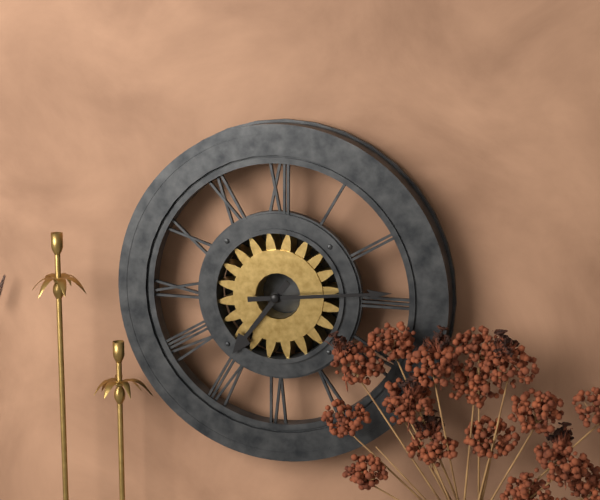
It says 7 h 14 min
